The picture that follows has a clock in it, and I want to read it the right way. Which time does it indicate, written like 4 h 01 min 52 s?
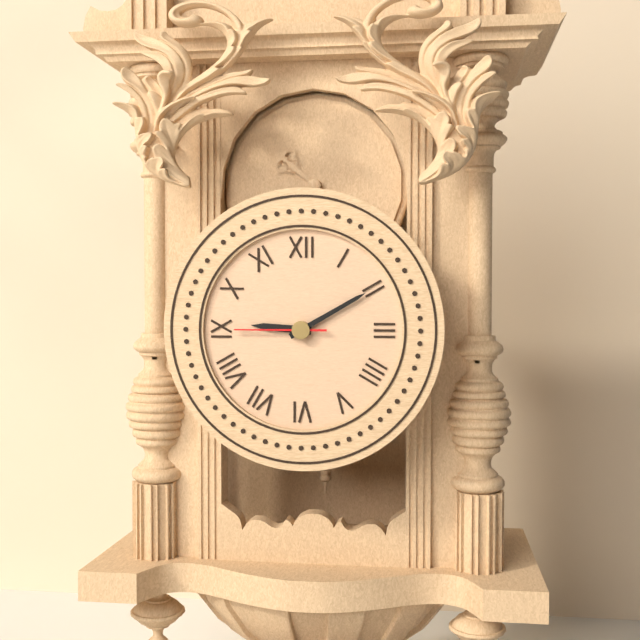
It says 9 h 10 min 45 s
